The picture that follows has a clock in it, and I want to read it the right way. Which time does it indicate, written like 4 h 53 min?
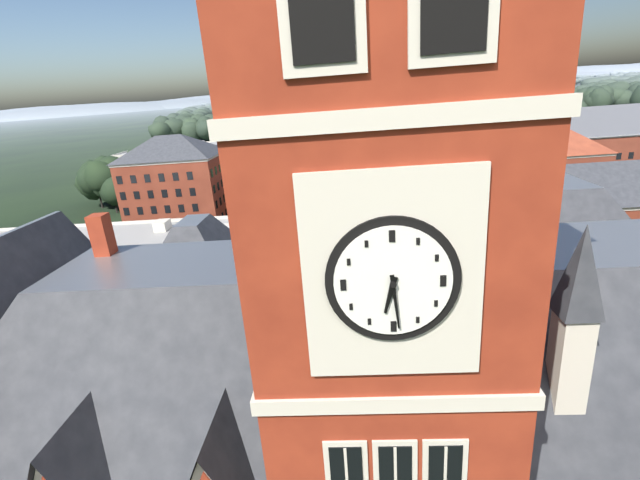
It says 6 h 29 min
